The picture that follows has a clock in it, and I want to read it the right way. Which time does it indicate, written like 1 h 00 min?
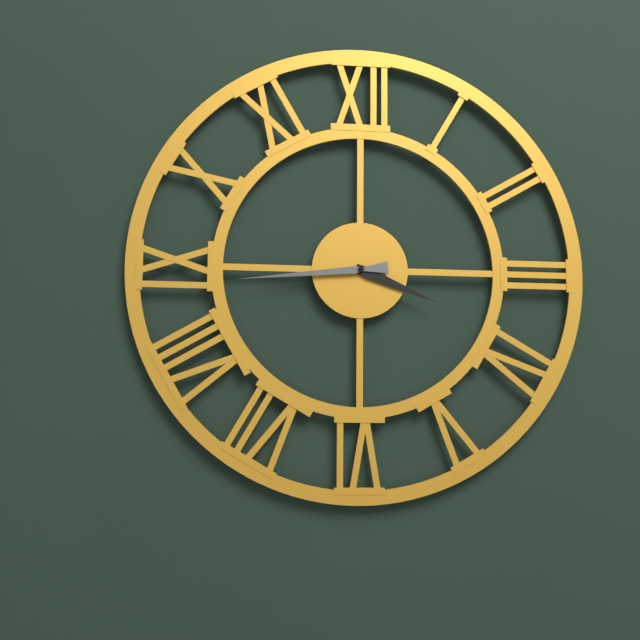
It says 3 h 44 min
